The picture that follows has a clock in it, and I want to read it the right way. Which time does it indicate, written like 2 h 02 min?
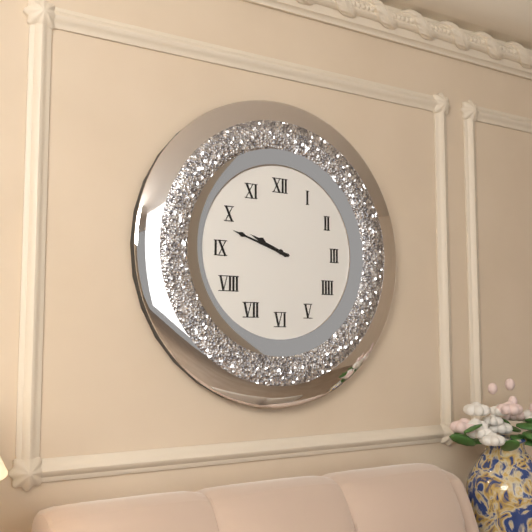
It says 9 h 48 min
